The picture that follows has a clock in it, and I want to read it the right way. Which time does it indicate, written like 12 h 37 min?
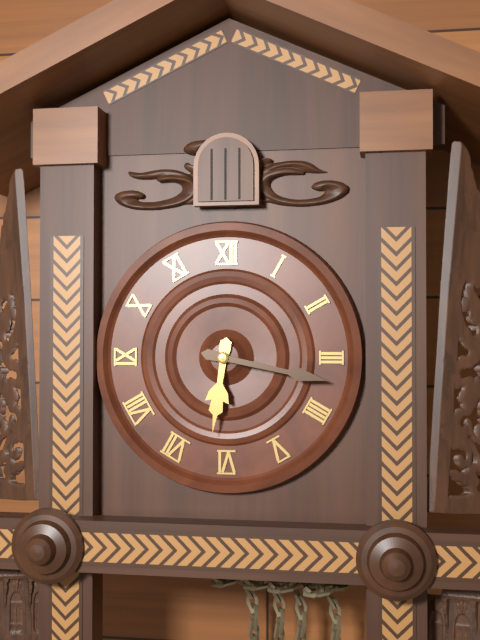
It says 6 h 17 min
